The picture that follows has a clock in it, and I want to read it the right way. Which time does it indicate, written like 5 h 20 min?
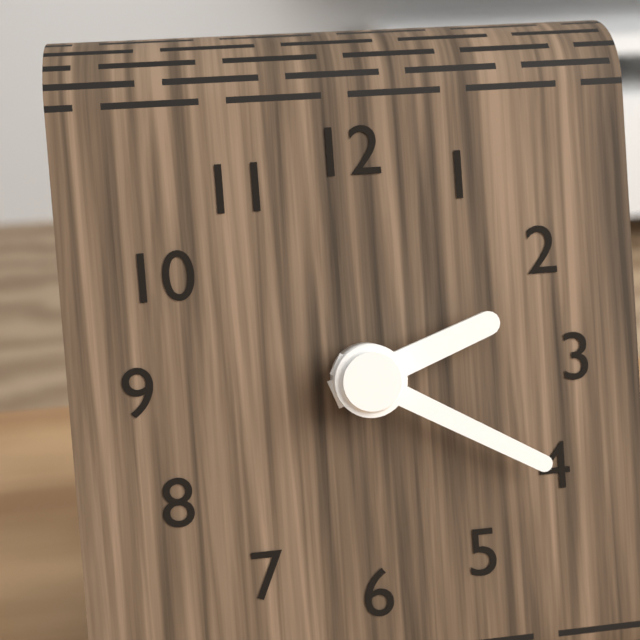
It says 2 h 20 min
